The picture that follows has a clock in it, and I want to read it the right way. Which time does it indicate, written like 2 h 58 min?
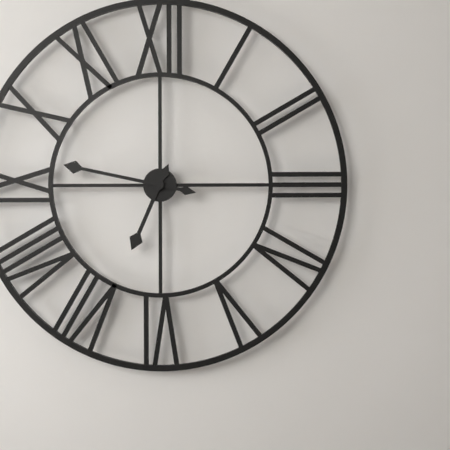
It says 6 h 47 min
